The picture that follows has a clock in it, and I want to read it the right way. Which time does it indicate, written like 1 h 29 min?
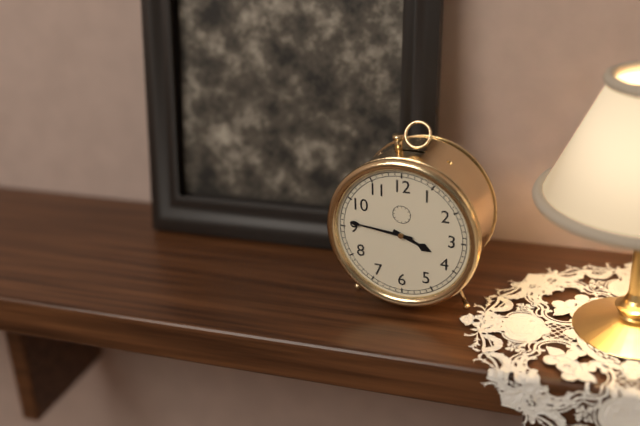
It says 3 h 46 min
